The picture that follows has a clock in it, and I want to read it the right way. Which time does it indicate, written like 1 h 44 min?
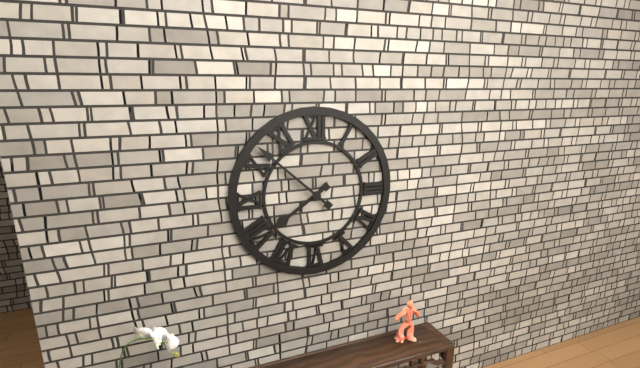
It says 7 h 52 min
